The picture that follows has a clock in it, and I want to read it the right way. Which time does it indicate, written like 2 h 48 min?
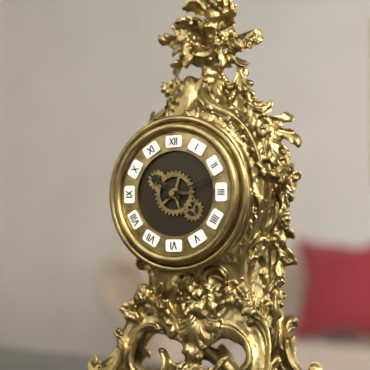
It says 10 h 12 min
